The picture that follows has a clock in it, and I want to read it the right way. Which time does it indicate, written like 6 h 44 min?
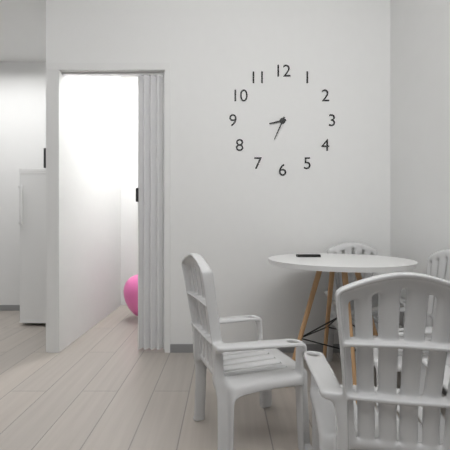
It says 8 h 34 min
